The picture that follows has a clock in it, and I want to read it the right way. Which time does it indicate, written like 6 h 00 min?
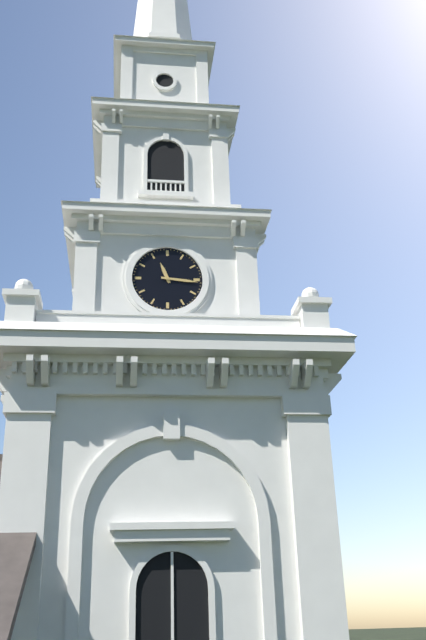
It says 11 h 16 min
